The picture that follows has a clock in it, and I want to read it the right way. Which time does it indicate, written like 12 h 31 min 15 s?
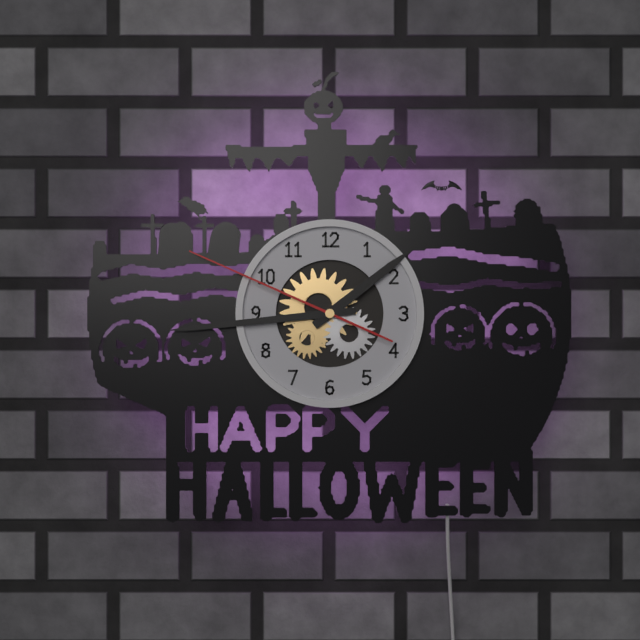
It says 1 h 44 min 49 s
